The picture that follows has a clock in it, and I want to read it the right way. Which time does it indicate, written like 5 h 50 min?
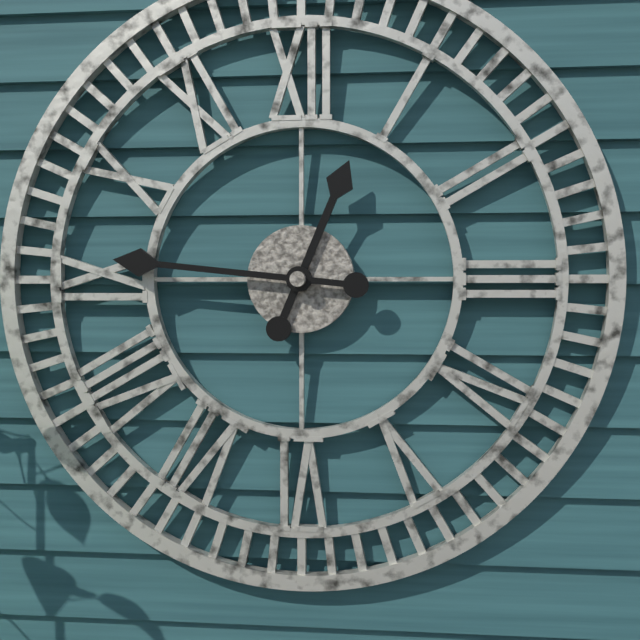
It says 12 h 46 min
